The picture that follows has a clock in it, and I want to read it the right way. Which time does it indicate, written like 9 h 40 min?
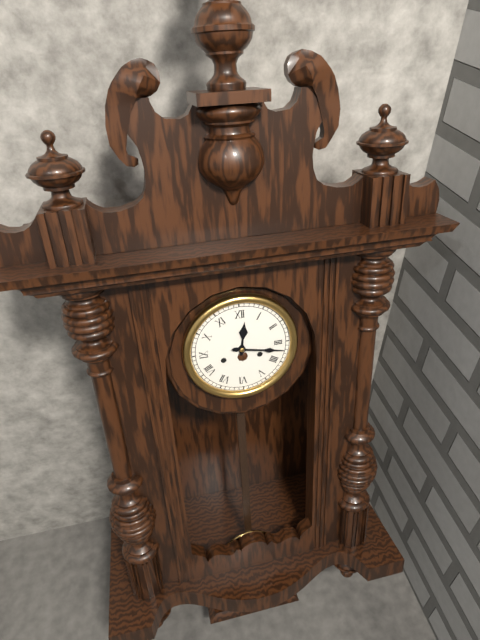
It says 12 h 17 min
